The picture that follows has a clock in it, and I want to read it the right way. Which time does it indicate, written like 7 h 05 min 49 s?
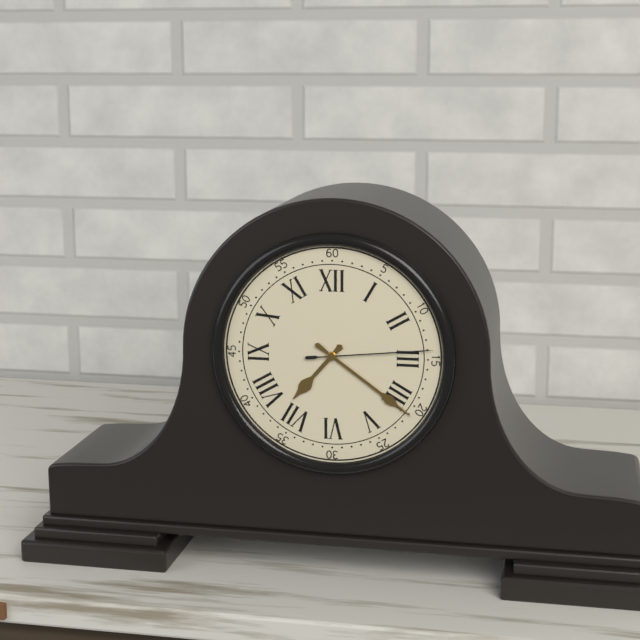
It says 7 h 21 min 14 s
